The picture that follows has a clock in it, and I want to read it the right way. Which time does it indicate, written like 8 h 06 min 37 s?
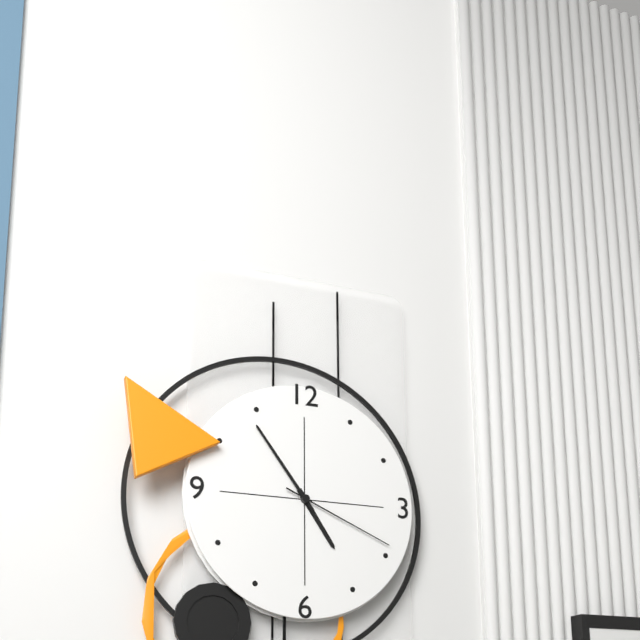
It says 4 h 54 min 19 s
